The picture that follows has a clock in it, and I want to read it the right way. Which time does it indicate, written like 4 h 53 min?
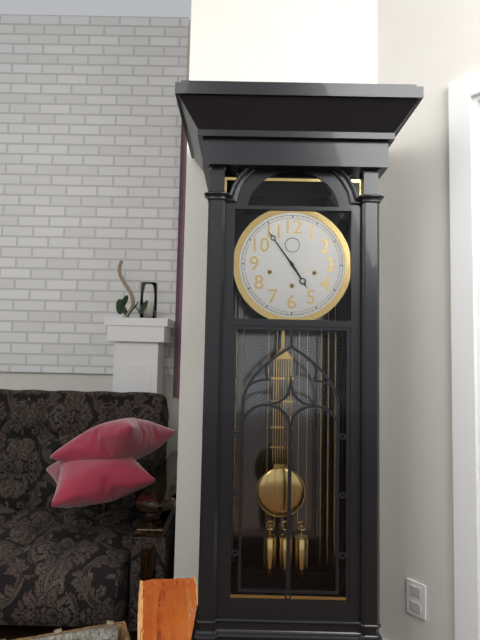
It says 4 h 54 min
